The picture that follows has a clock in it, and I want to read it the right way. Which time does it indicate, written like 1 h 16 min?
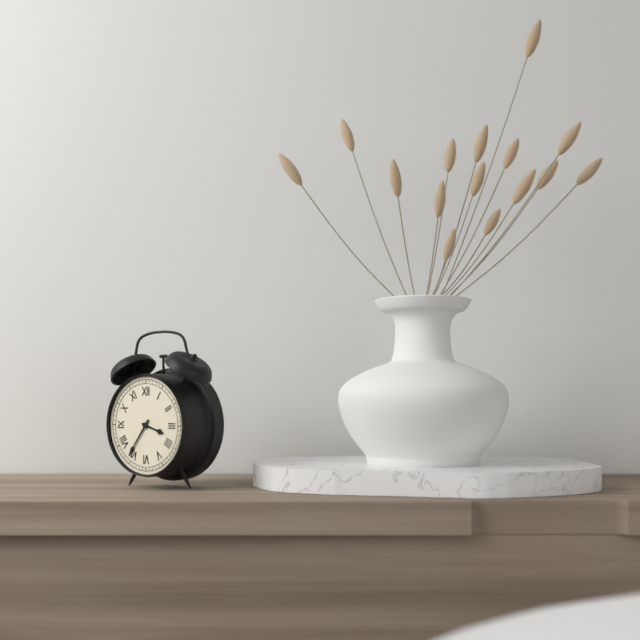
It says 3 h 36 min
